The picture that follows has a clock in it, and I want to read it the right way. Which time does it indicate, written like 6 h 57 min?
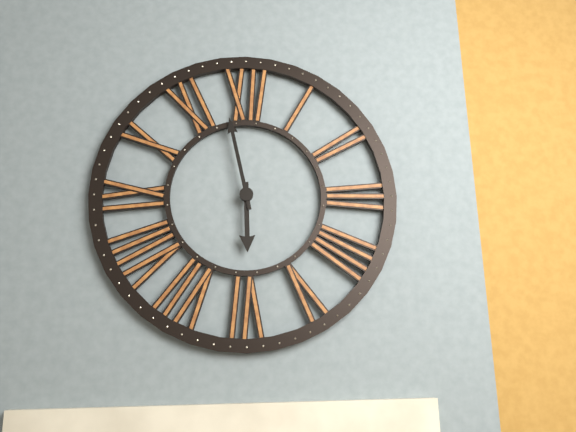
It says 5 h 58 min
